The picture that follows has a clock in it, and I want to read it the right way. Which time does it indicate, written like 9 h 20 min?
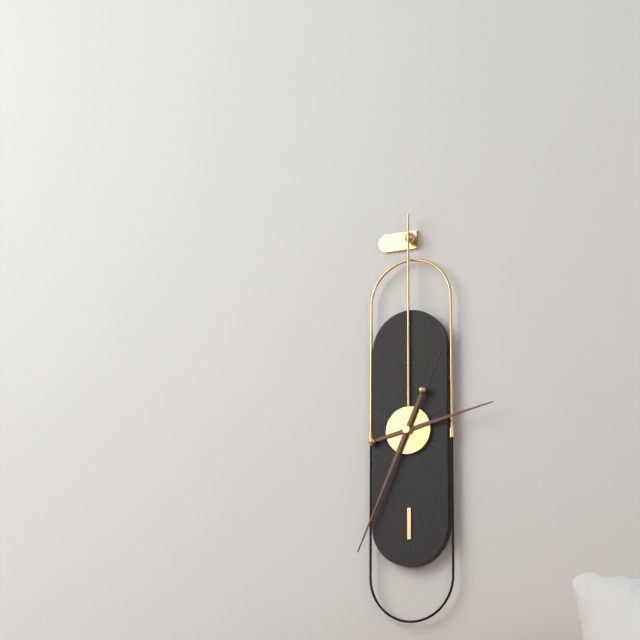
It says 2 h 34 min
